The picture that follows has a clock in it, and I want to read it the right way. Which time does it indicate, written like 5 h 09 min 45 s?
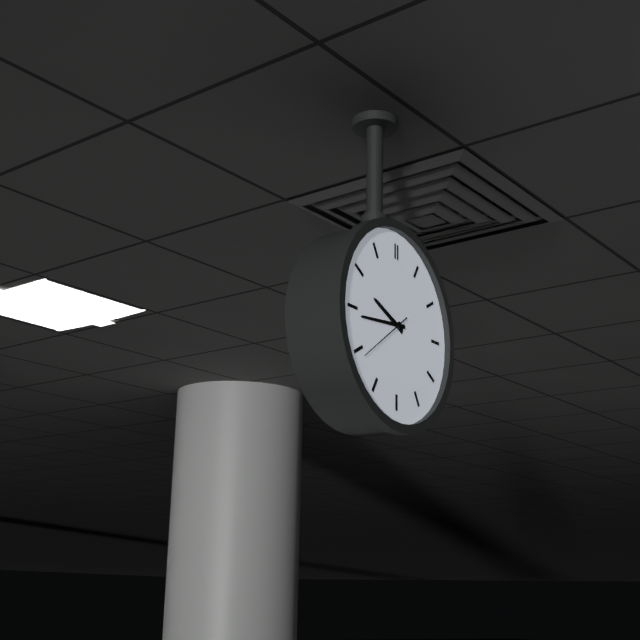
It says 9 h 44 min 39 s
